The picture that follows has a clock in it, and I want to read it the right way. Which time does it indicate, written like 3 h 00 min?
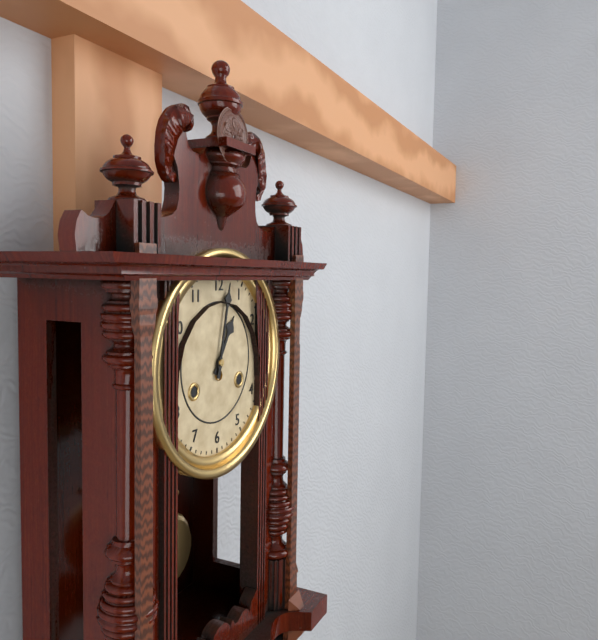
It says 1 h 02 min
